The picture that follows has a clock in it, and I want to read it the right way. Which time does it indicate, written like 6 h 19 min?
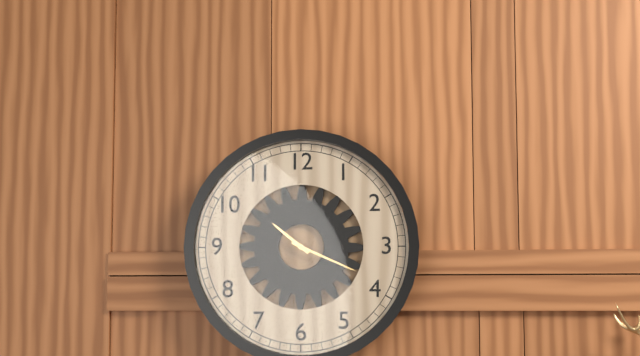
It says 10 h 19 min
